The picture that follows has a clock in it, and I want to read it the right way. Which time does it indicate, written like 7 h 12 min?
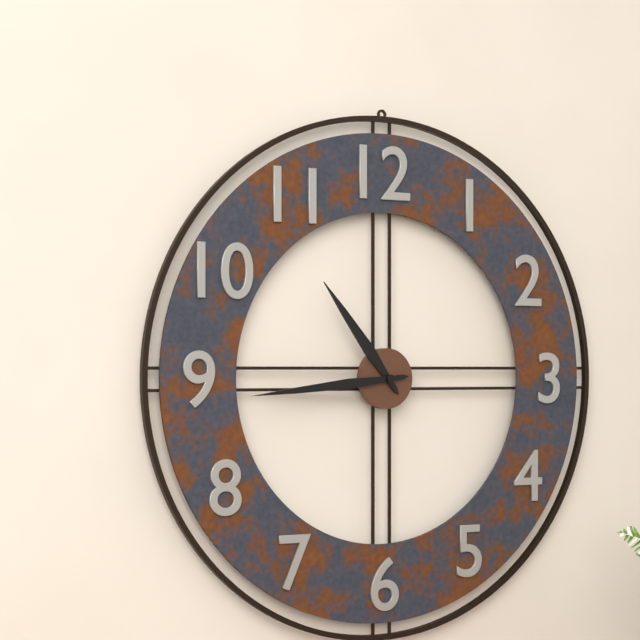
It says 10 h 44 min
